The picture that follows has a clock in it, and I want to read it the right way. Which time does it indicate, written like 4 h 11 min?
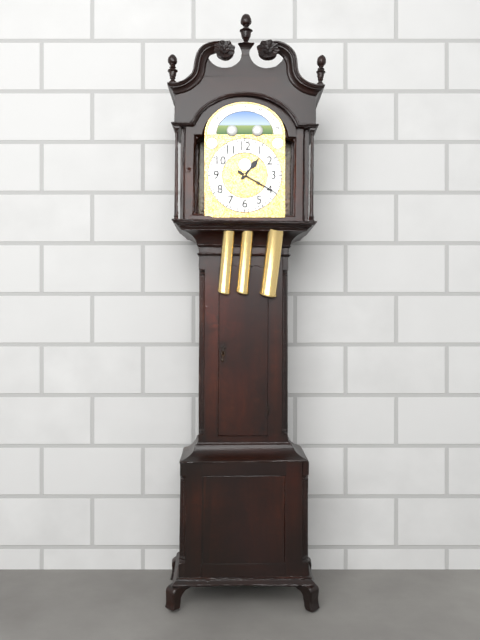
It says 1 h 20 min
